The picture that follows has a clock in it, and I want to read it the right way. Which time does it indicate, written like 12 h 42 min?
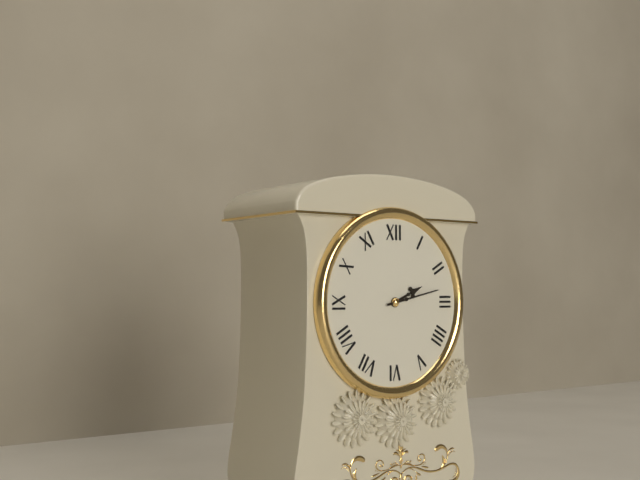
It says 2 h 13 min
